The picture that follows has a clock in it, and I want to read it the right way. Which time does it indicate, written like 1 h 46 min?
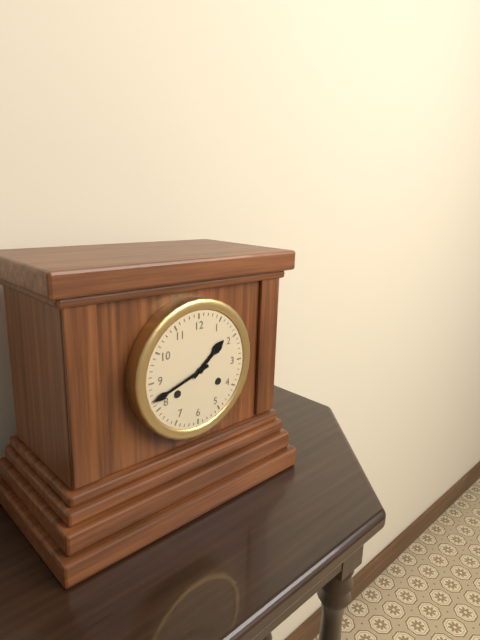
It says 1 h 42 min
